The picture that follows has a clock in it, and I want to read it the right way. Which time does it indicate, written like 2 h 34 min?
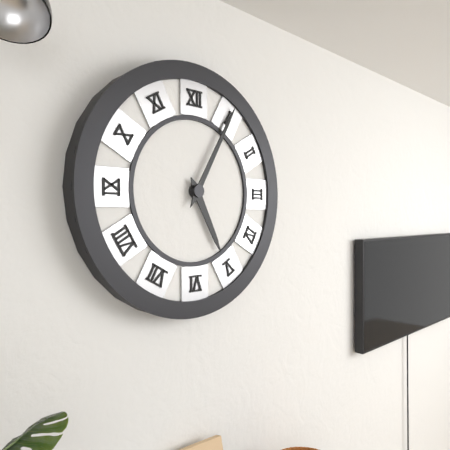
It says 5 h 05 min
